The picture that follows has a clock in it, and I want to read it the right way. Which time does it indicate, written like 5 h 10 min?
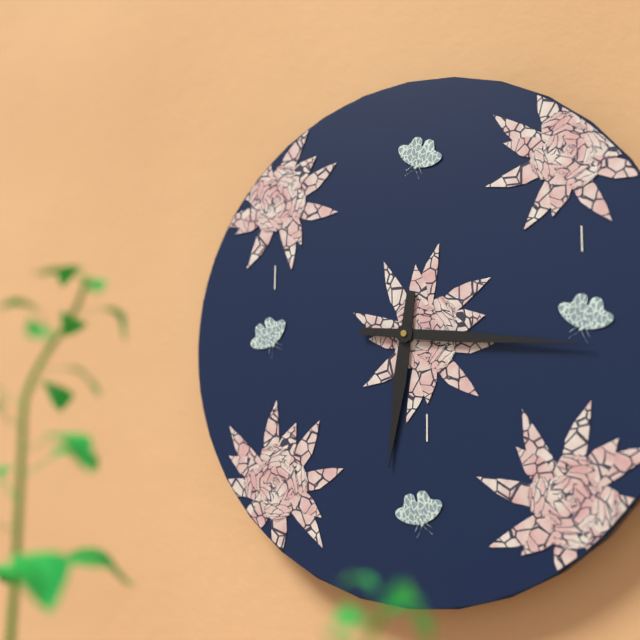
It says 6 h 16 min
